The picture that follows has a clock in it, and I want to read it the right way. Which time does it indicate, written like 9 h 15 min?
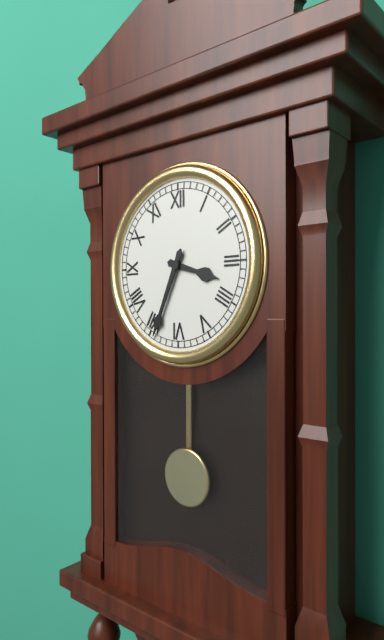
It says 3 h 34 min
